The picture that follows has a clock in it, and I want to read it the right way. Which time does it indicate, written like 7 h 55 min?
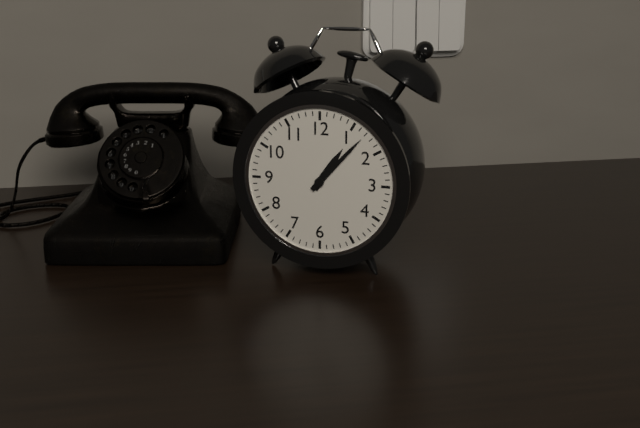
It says 1 h 07 min
